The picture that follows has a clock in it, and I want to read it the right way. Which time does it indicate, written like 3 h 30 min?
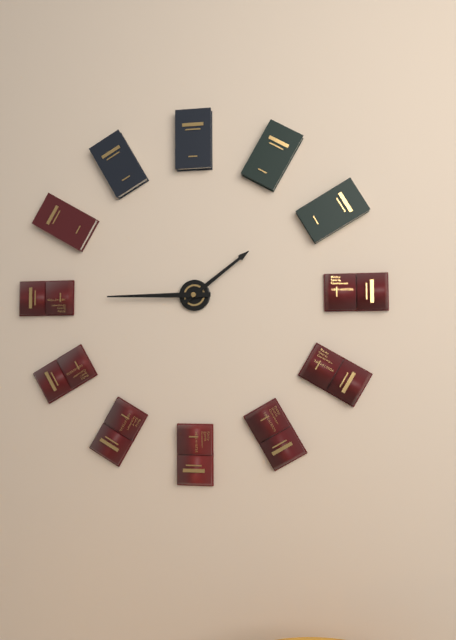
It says 1 h 45 min
